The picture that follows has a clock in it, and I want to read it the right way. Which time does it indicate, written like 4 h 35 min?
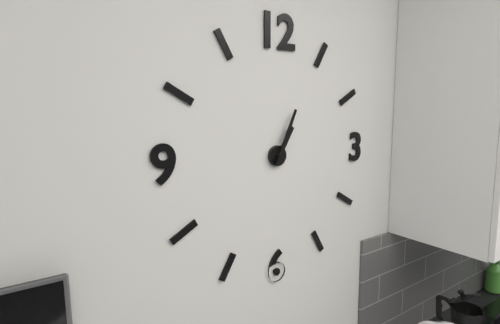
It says 1 h 04 min
